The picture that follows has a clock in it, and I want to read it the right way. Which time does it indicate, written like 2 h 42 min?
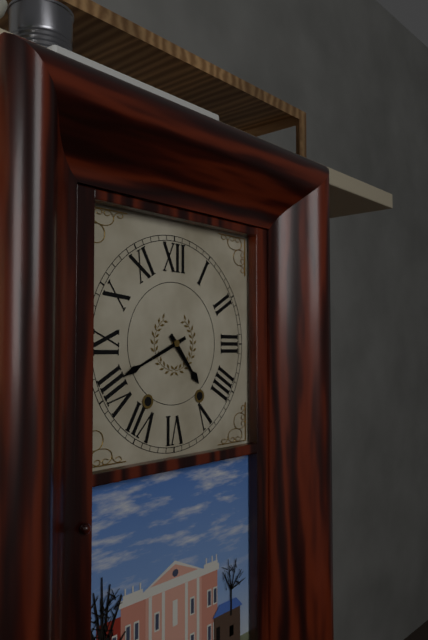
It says 4 h 41 min
